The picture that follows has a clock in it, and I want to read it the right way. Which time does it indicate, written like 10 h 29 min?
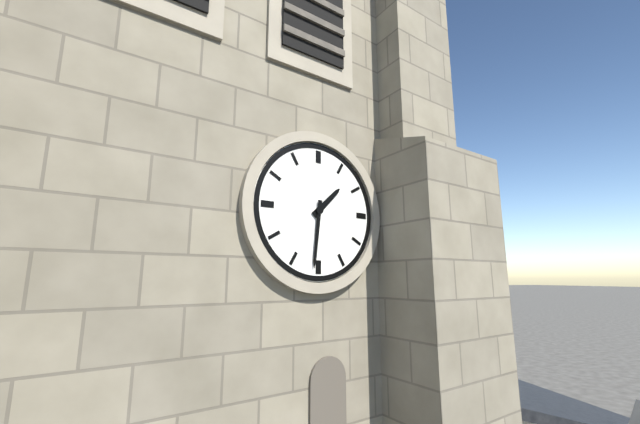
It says 1 h 31 min
